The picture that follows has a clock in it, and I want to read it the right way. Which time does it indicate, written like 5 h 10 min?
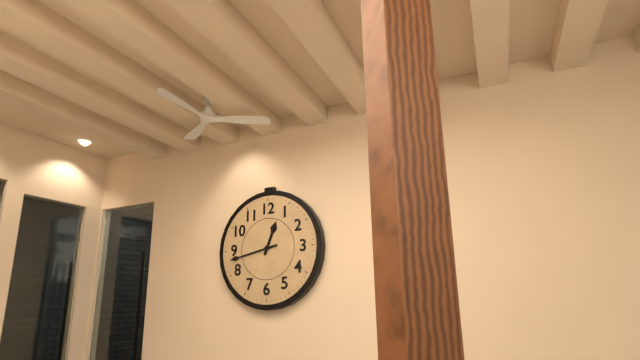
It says 12 h 43 min
